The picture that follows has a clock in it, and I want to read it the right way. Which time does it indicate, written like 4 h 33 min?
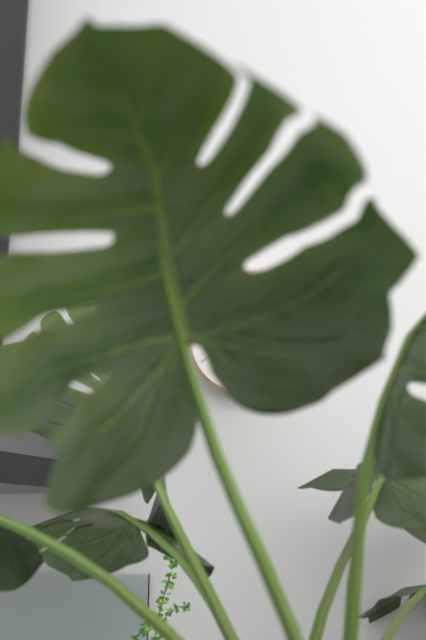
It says 2 h 48 min
